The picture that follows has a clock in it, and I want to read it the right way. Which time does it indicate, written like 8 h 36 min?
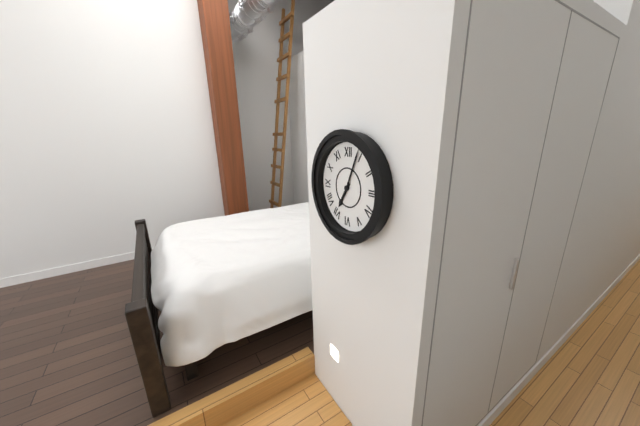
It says 7 h 04 min
